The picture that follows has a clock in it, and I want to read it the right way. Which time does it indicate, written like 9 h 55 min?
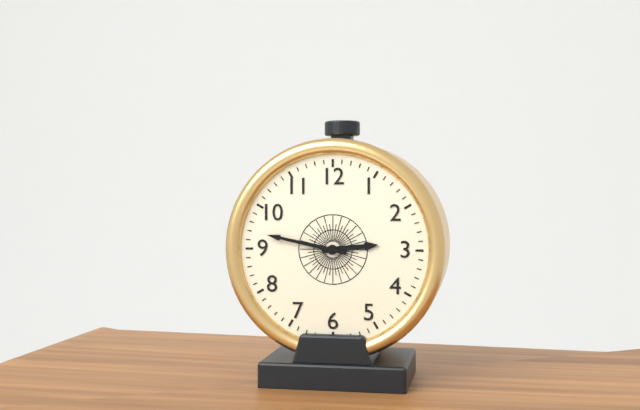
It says 2 h 47 min
